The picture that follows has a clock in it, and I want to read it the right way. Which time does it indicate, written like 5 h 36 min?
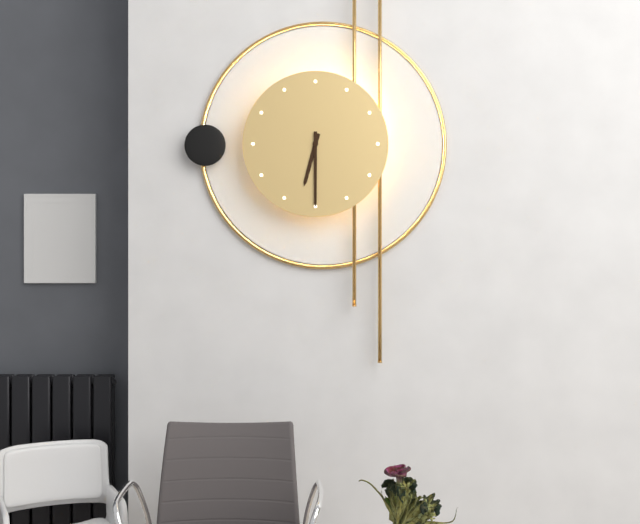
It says 6 h 30 min
